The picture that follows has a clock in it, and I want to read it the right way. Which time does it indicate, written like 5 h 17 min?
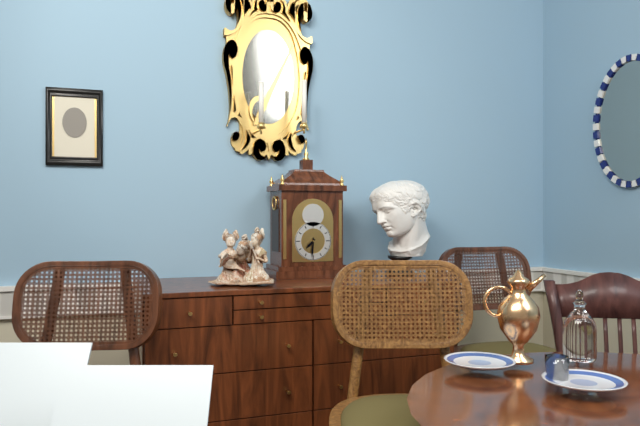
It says 7 h 31 min
